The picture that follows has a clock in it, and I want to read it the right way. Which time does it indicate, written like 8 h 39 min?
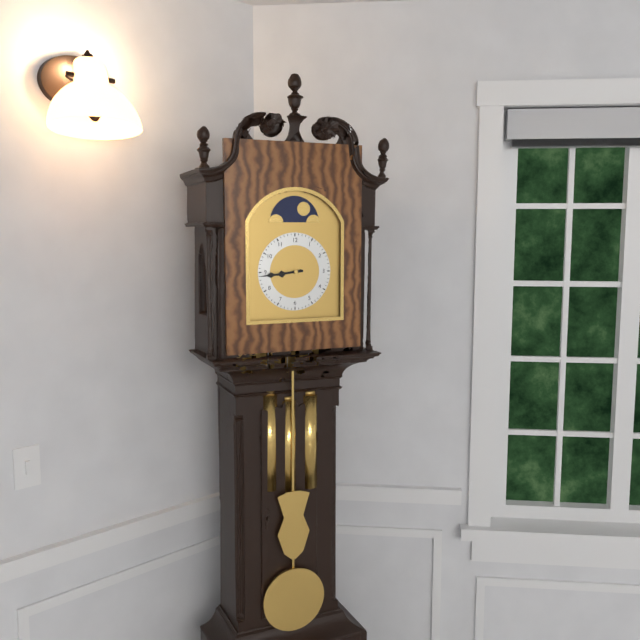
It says 8 h 44 min
